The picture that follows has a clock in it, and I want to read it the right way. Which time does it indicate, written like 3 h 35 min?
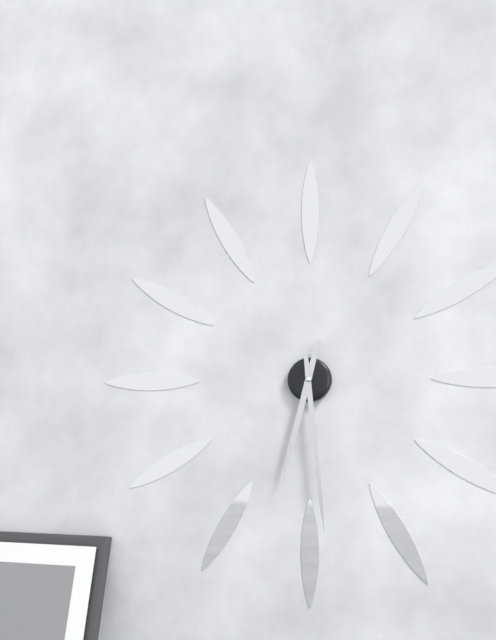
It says 6 h 29 min
